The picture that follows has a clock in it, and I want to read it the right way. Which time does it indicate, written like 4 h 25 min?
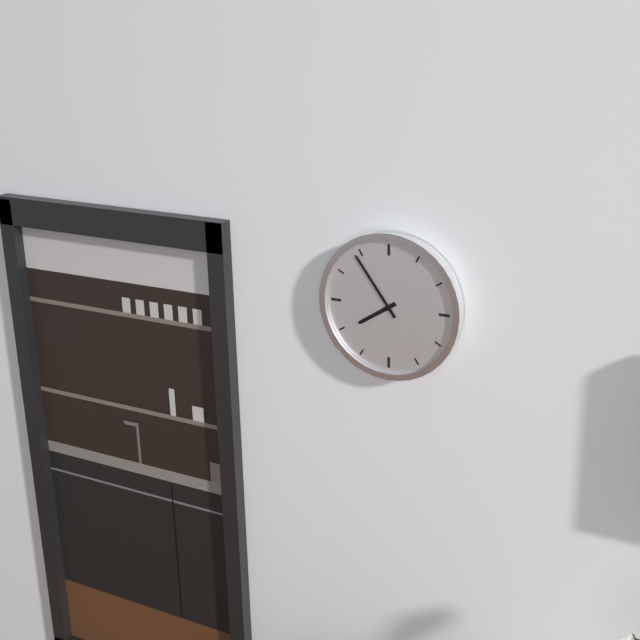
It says 7 h 54 min
